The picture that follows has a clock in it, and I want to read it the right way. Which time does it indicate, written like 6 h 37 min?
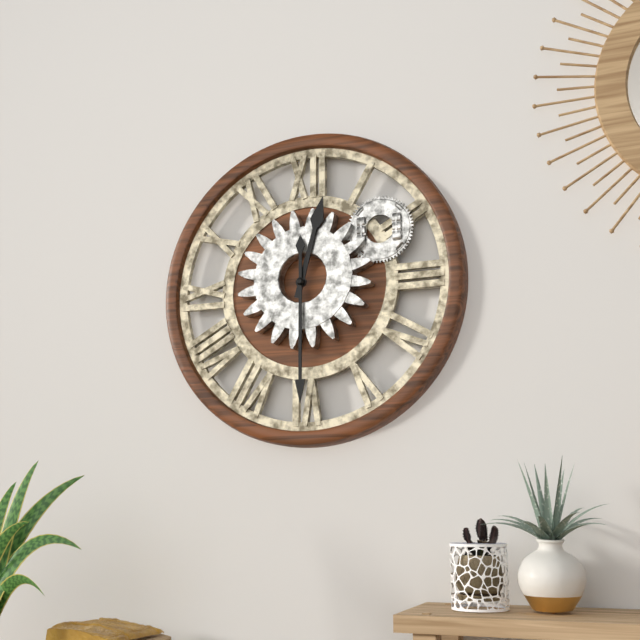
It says 12 h 30 min
